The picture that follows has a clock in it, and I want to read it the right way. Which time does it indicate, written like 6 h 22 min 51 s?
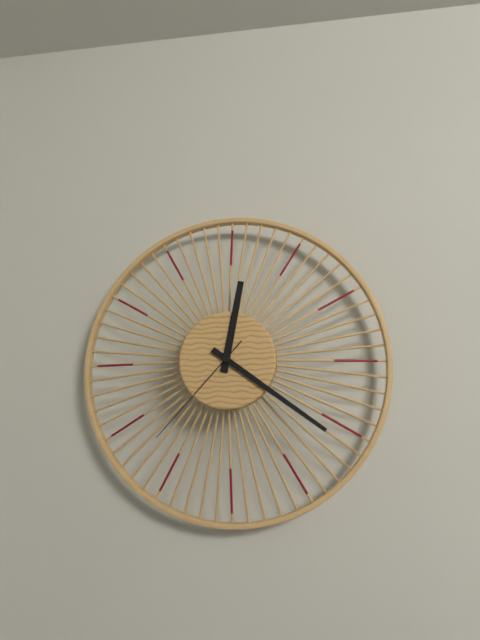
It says 12 h 21 min 37 s
